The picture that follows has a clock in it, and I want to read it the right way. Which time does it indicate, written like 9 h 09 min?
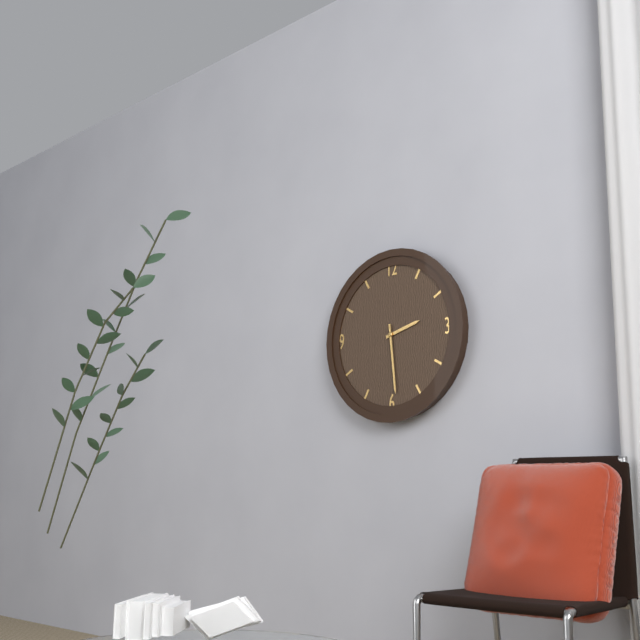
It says 2 h 29 min
